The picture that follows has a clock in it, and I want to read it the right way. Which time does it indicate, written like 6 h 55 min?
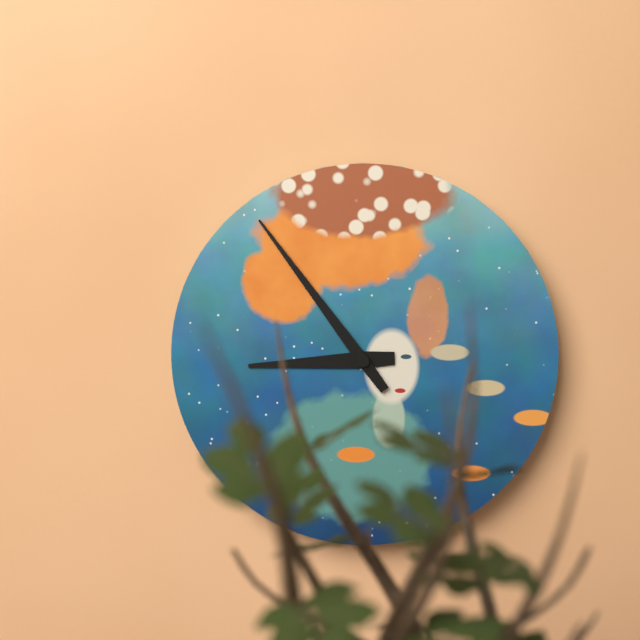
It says 8 h 54 min
